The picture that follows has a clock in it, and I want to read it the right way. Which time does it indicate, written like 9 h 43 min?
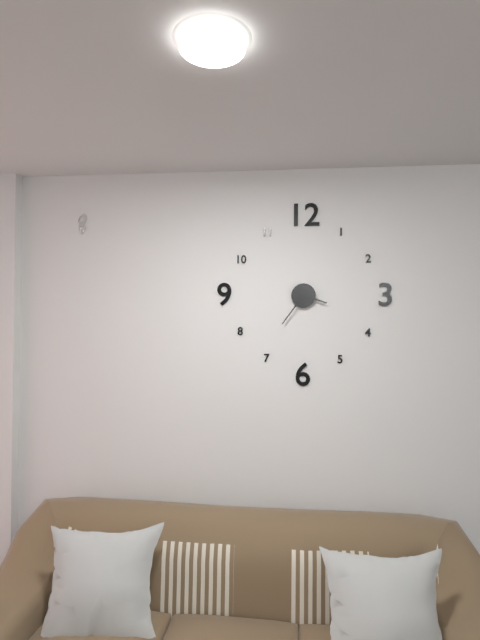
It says 3 h 36 min
